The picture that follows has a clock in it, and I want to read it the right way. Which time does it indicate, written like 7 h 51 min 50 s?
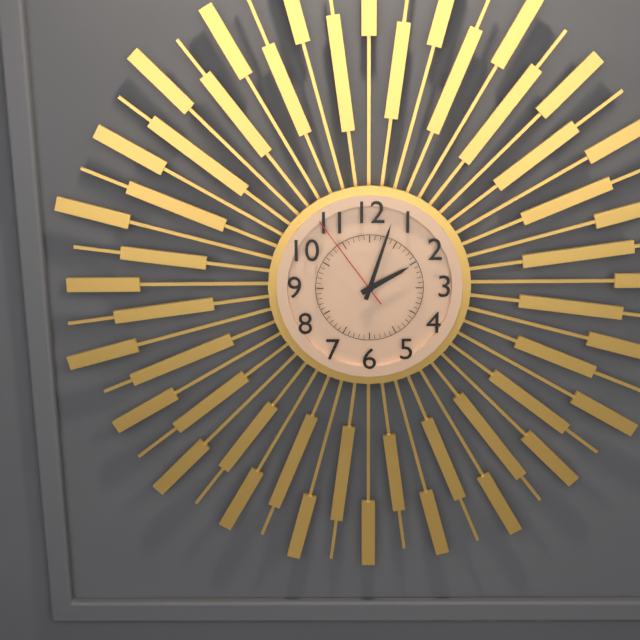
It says 2 h 03 min 54 s
